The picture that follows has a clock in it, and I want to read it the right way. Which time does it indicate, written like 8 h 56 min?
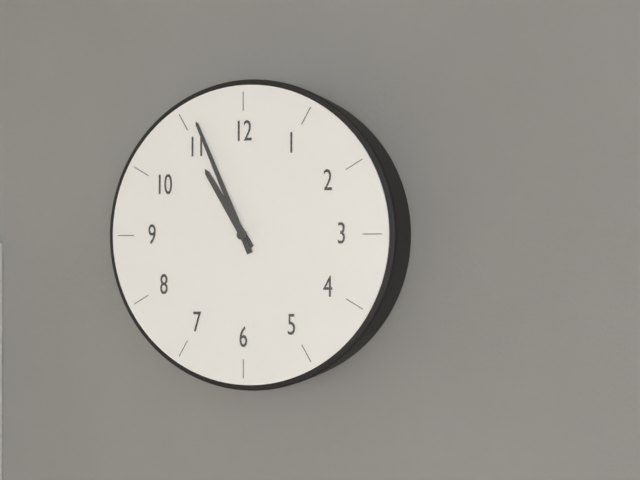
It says 10 h 56 min
